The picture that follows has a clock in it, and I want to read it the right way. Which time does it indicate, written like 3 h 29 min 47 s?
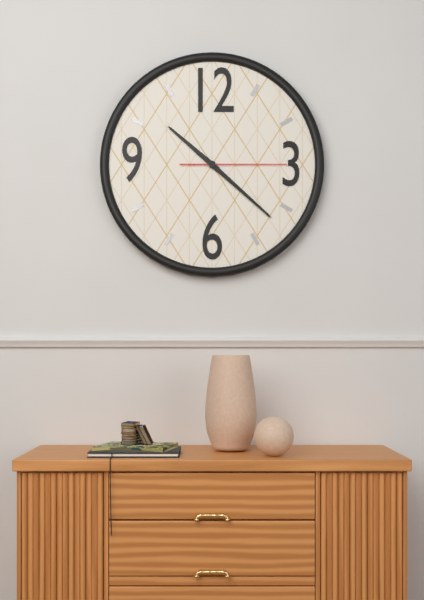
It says 10 h 22 min 15 s
